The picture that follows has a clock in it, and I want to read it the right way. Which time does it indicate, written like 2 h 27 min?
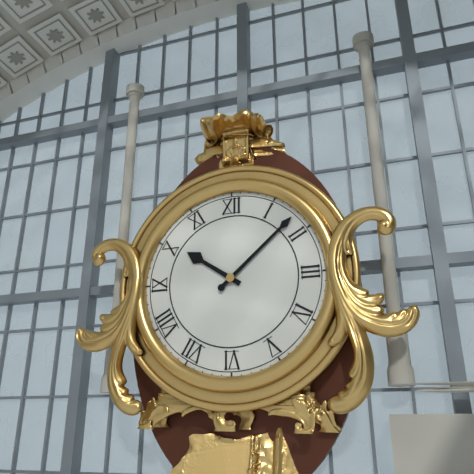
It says 10 h 08 min
